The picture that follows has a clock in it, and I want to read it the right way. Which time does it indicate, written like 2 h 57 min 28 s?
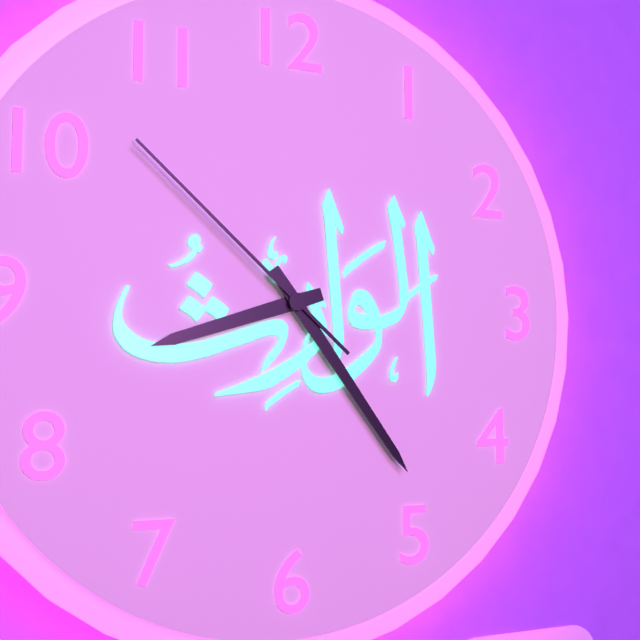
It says 8 h 24 min 52 s
